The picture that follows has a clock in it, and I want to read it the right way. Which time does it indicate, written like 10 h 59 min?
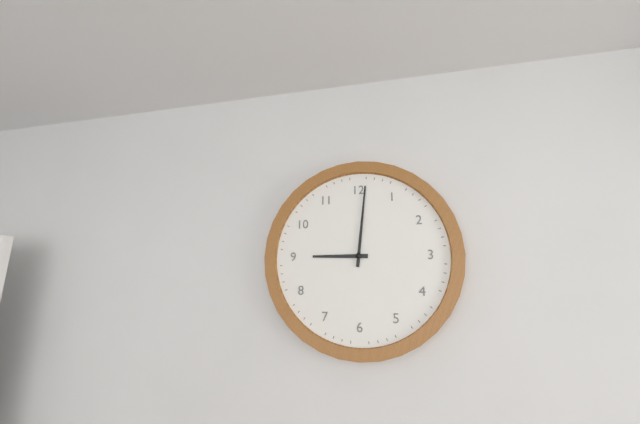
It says 9 h 01 min
